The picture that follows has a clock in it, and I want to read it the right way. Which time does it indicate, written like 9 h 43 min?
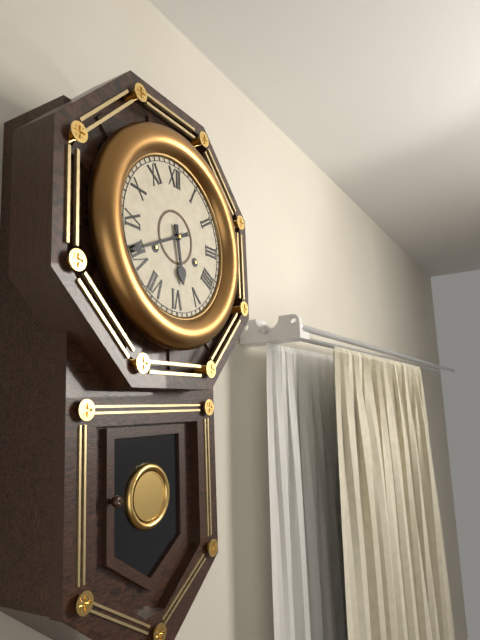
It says 5 h 41 min
